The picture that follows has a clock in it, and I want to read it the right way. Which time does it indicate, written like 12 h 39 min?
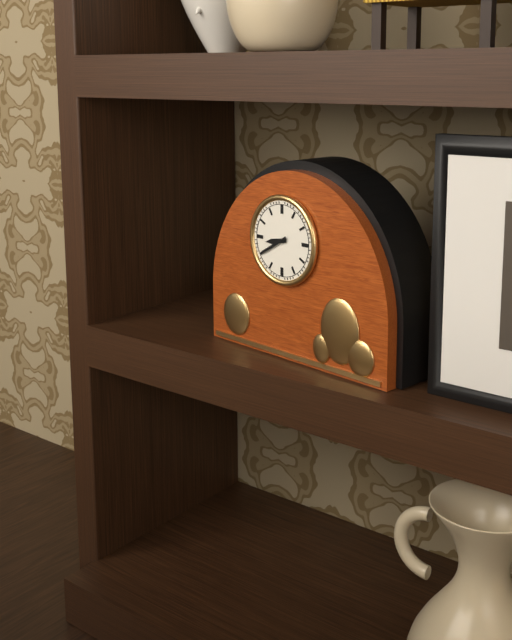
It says 8 h 40 min
